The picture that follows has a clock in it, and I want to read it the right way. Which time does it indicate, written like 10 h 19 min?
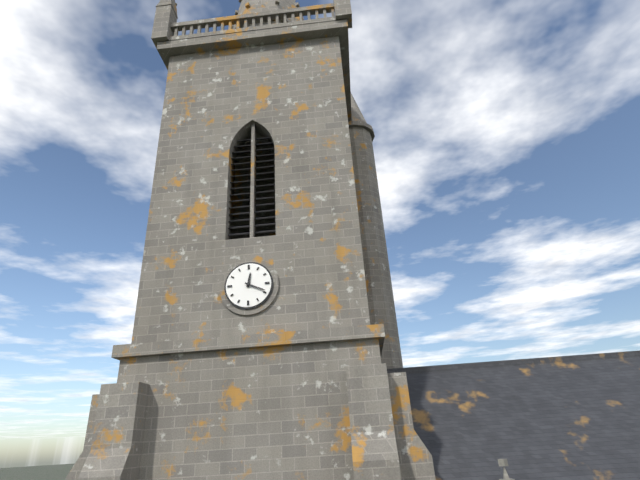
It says 12 h 19 min
